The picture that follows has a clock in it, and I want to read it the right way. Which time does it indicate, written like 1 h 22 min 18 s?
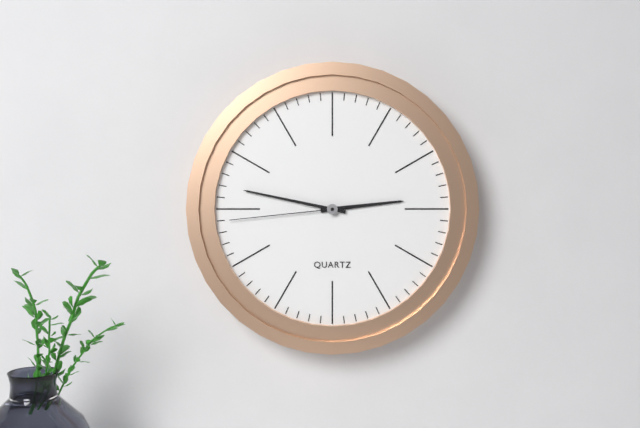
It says 2 h 47 min 44 s
